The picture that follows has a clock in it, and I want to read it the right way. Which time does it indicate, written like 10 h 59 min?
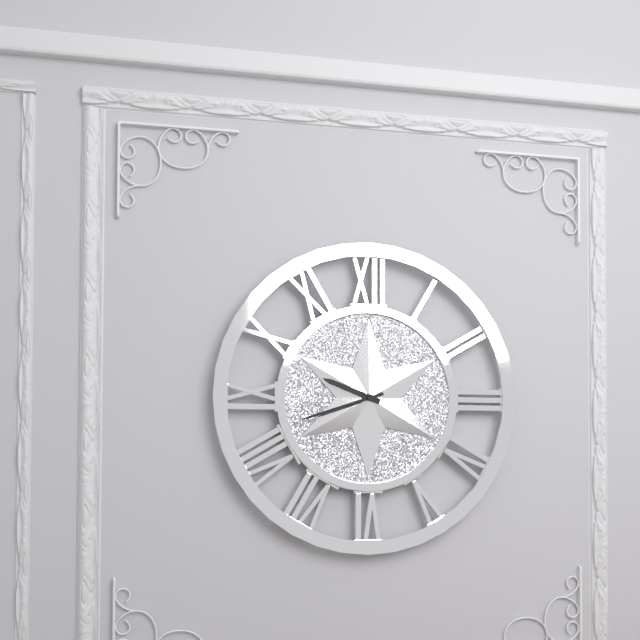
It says 9 h 42 min
